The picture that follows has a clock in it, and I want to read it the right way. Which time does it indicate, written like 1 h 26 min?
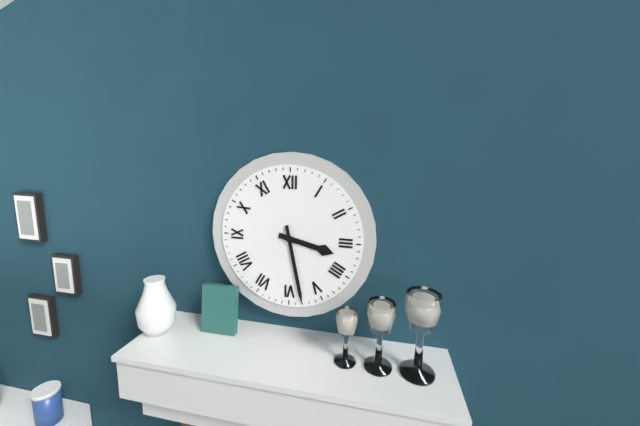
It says 3 h 28 min
